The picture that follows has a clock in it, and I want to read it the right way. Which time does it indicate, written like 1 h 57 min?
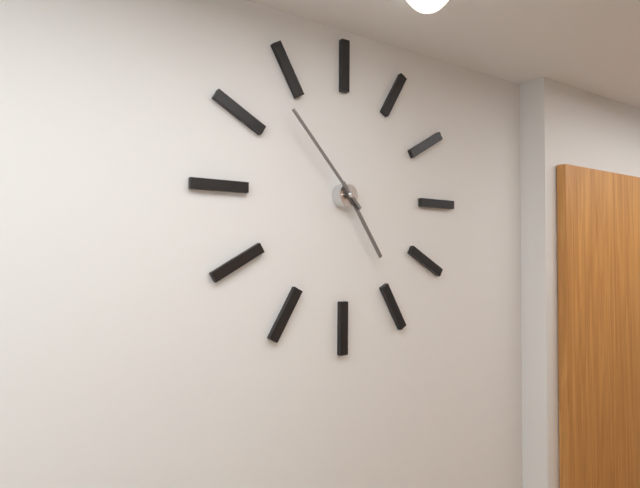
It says 4 h 53 min
